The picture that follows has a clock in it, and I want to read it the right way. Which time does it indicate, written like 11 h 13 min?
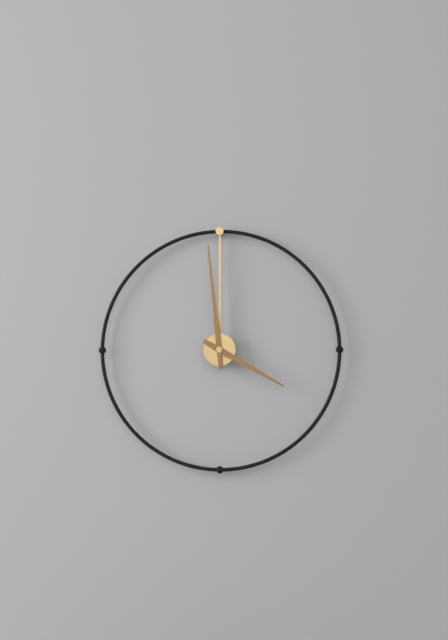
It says 3 h 59 min
